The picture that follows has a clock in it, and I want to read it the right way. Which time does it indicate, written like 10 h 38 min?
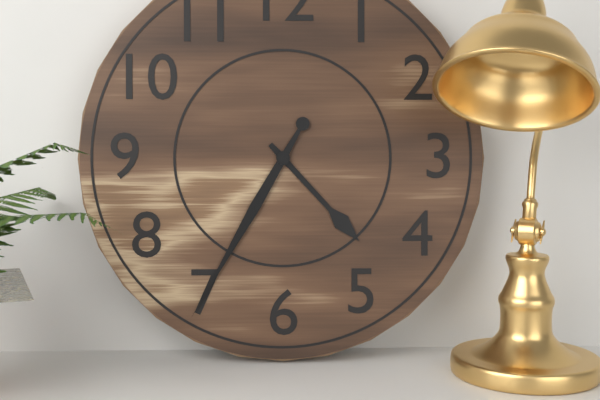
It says 4 h 35 min
